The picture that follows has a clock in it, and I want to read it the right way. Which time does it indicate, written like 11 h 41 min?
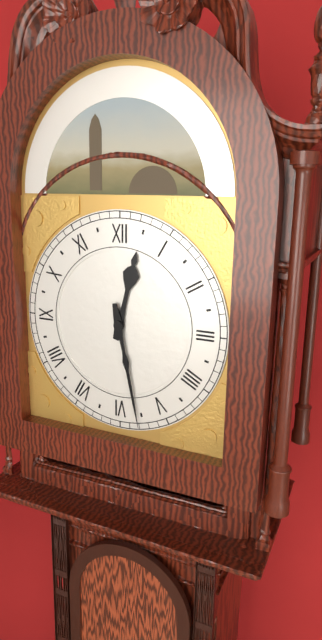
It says 12 h 28 min
